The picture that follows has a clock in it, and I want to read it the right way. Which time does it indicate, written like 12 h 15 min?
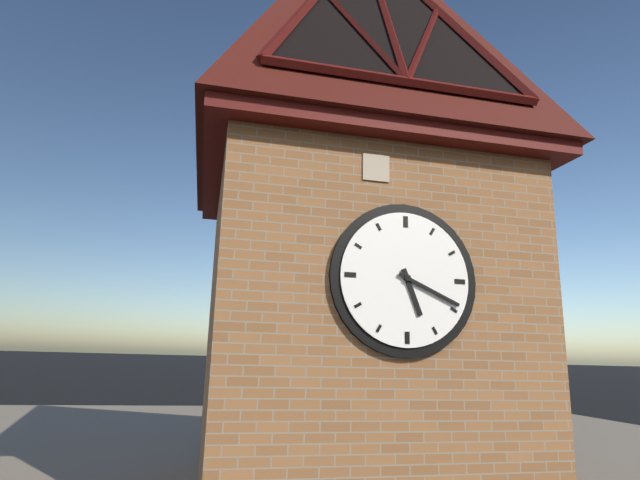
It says 5 h 19 min
